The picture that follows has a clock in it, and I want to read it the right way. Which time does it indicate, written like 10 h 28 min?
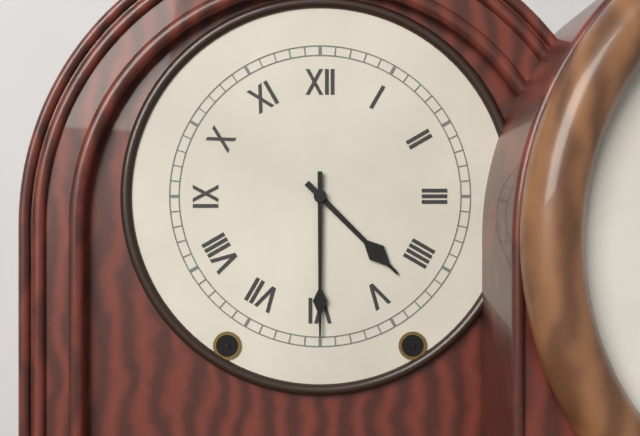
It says 4 h 30 min
